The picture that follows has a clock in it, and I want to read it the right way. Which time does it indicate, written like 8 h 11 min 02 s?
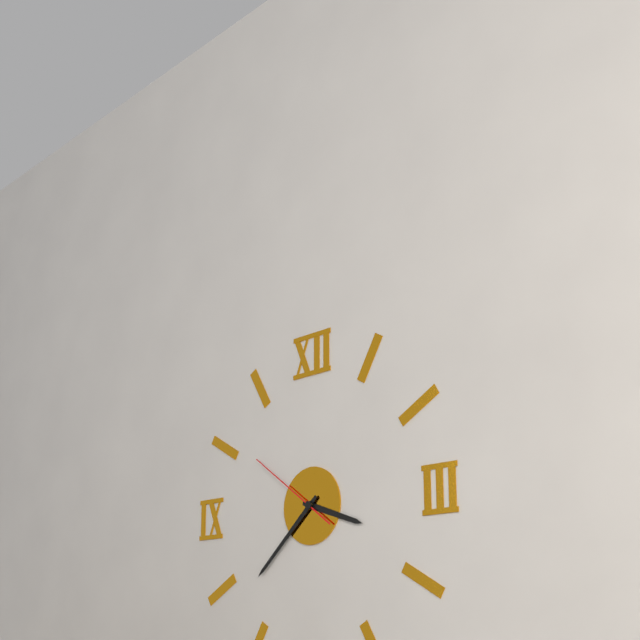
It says 3 h 38 min 51 s
